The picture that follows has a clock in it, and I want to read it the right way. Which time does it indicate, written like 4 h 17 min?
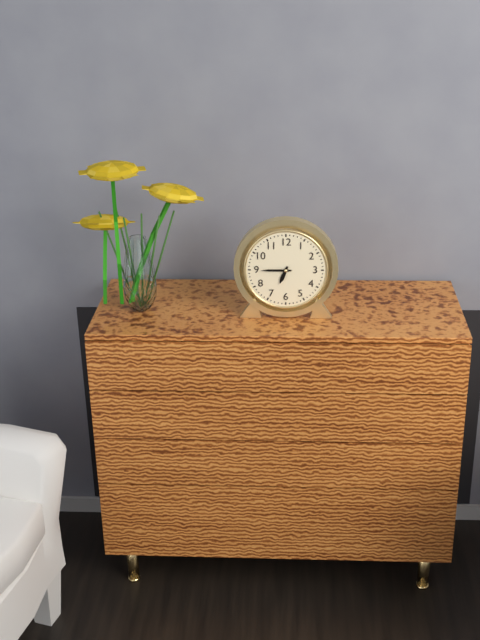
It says 6 h 45 min
